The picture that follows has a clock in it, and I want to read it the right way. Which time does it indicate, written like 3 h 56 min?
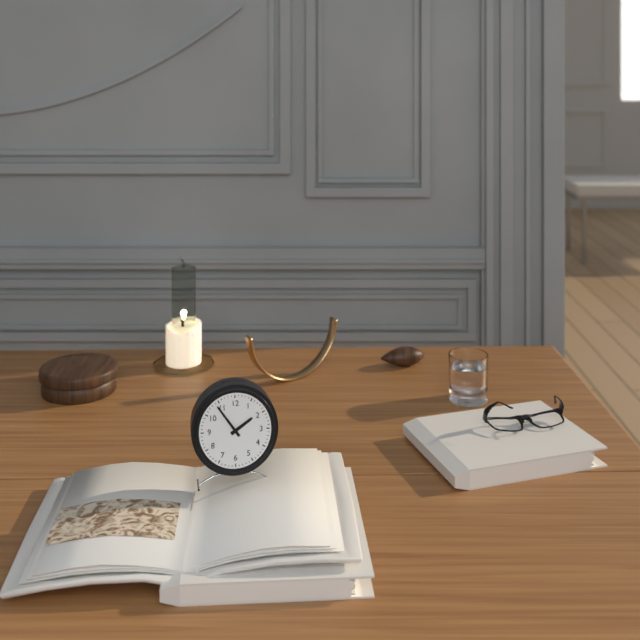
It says 1 h 54 min
